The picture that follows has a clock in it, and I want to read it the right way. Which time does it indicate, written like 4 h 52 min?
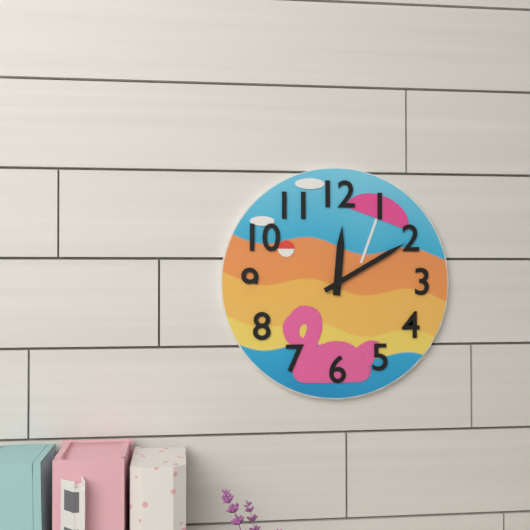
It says 12 h 10 min
